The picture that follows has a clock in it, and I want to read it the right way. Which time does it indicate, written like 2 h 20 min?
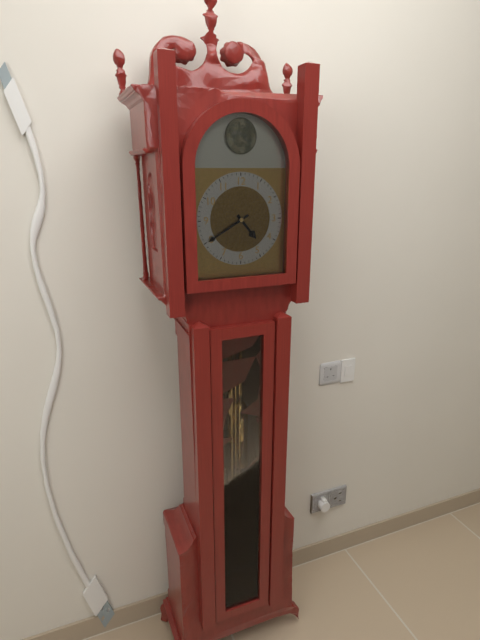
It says 4 h 40 min
